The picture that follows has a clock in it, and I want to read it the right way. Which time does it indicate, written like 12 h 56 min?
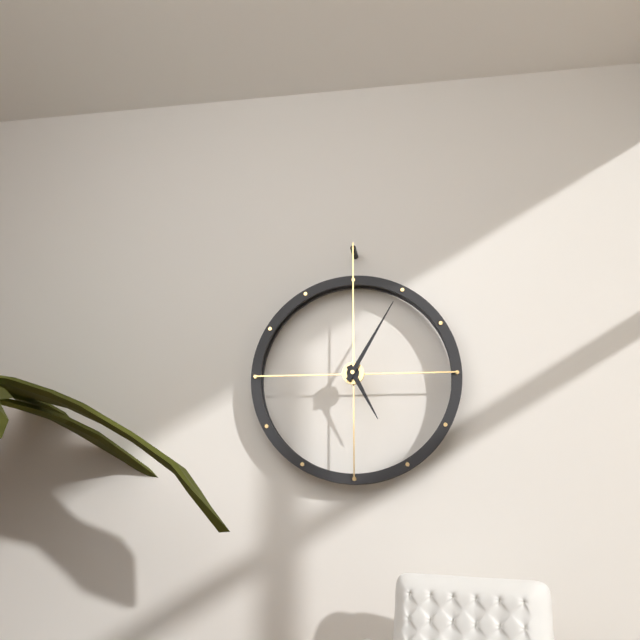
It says 5 h 05 min
